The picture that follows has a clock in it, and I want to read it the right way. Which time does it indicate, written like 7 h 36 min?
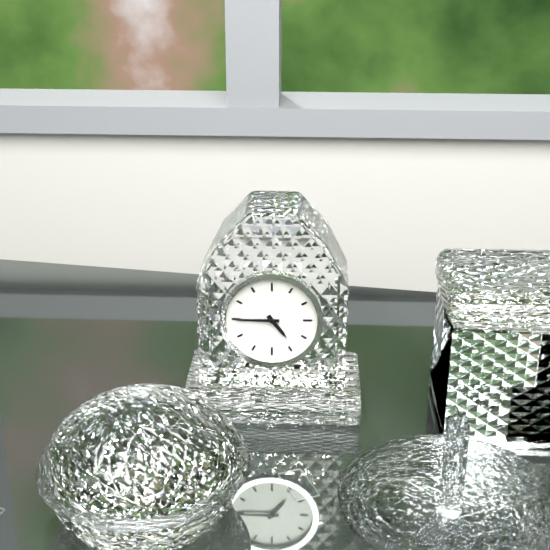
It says 4 h 45 min
